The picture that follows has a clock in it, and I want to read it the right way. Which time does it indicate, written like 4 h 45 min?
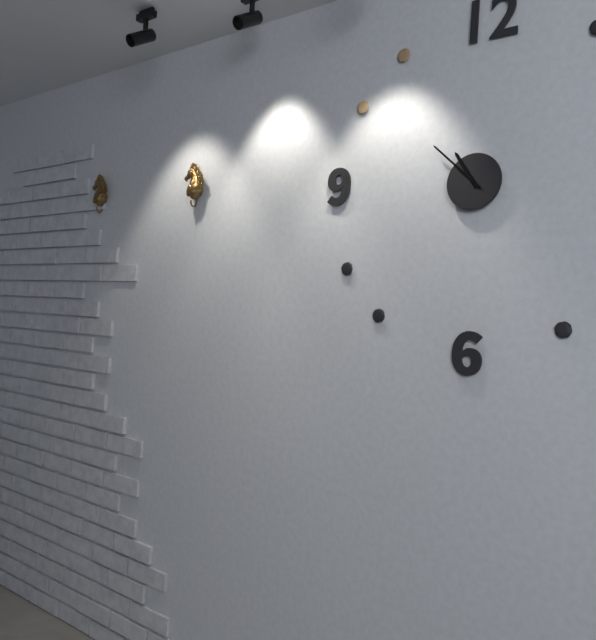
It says 10 h 52 min
